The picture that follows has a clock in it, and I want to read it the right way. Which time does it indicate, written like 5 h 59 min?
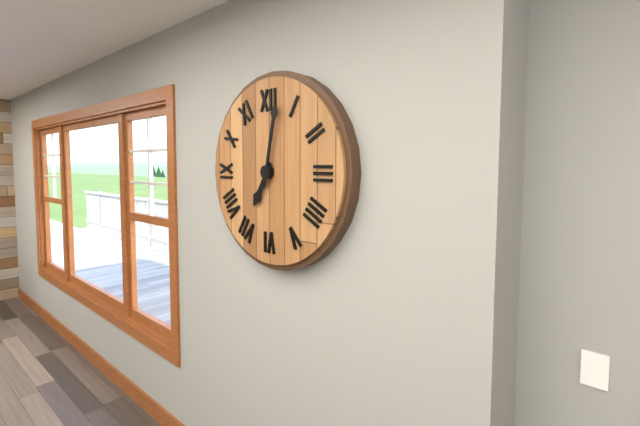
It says 7 h 02 min
